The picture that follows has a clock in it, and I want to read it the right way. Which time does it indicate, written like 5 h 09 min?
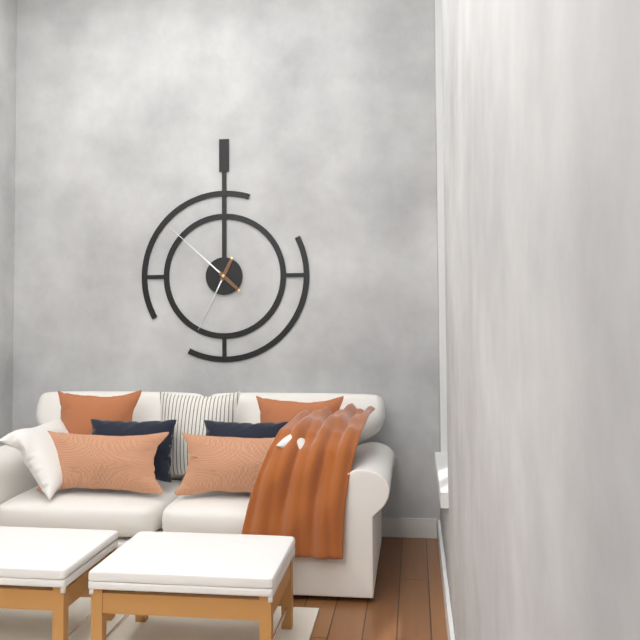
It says 6 h 52 min
